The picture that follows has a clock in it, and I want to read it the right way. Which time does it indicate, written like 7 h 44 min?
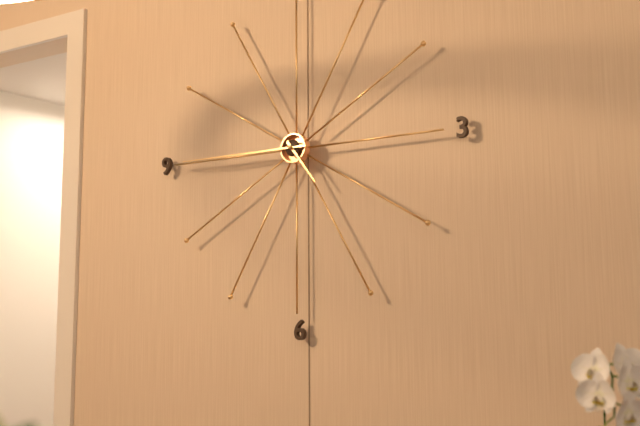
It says 4 h 45 min
